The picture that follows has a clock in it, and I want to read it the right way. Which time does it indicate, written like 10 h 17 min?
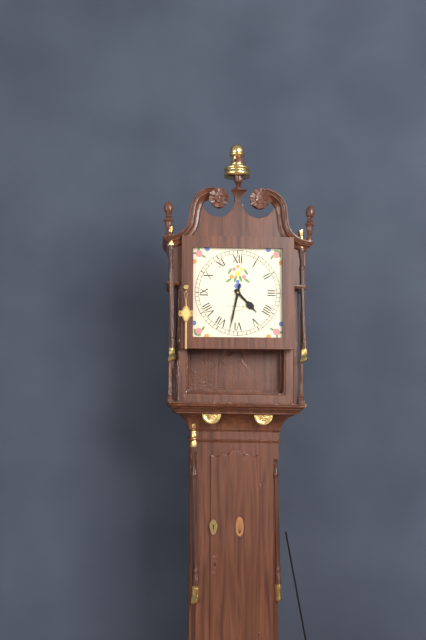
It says 4 h 32 min
